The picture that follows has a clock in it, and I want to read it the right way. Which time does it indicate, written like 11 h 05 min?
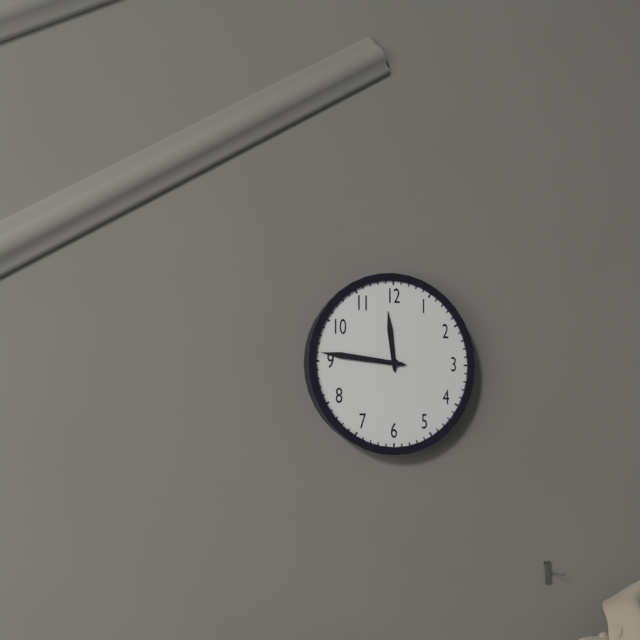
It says 11 h 46 min
